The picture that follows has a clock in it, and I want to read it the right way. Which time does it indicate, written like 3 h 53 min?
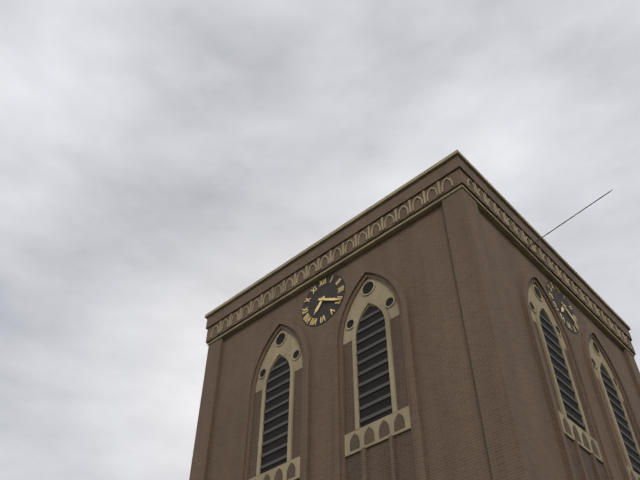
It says 7 h 20 min
